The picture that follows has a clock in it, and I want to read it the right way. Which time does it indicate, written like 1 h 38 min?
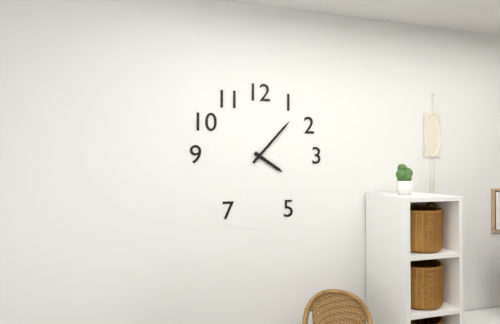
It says 4 h 07 min
